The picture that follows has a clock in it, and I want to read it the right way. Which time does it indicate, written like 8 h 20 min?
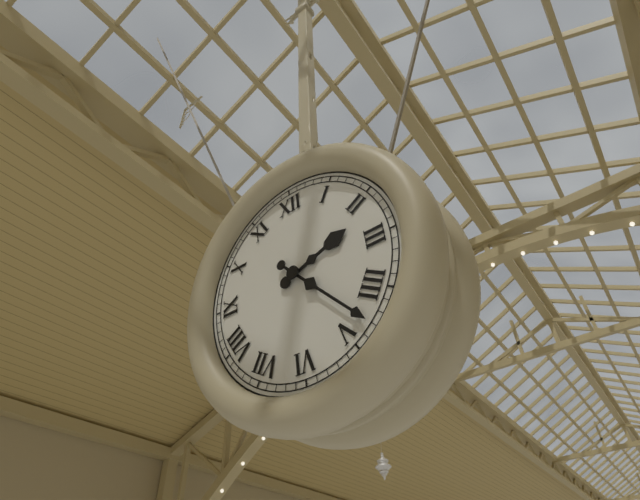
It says 2 h 23 min
